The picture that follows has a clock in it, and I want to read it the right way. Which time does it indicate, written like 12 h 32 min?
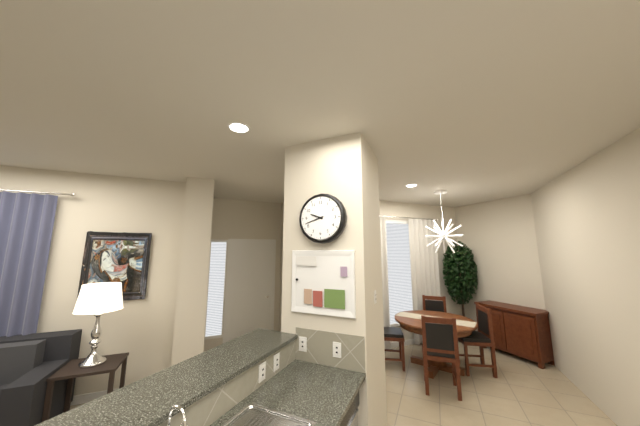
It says 9 h 42 min
